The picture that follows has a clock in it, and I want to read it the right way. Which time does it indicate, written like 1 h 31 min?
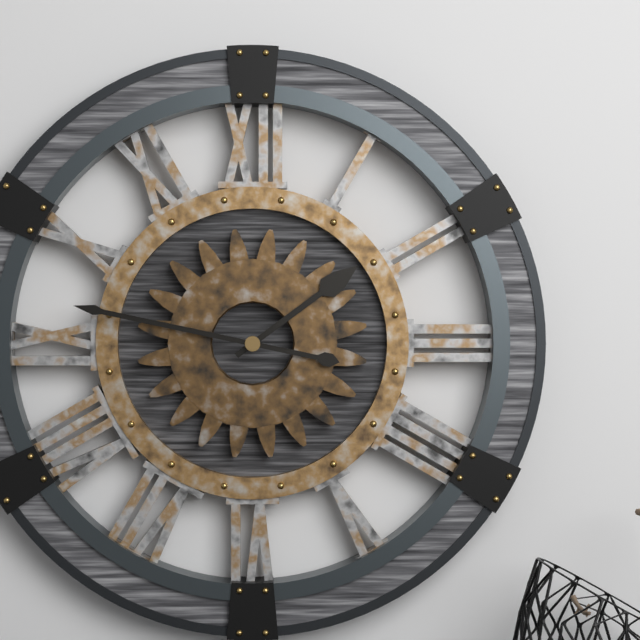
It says 1 h 47 min
